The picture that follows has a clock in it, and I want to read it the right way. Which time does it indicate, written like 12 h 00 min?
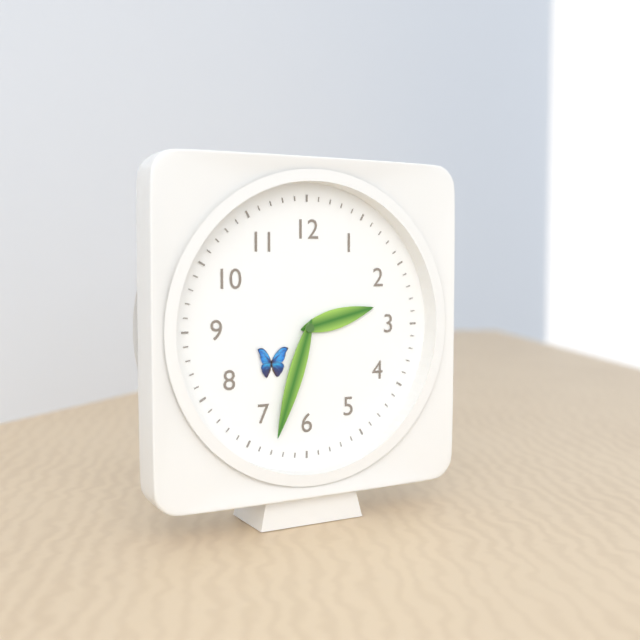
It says 2 h 33 min
